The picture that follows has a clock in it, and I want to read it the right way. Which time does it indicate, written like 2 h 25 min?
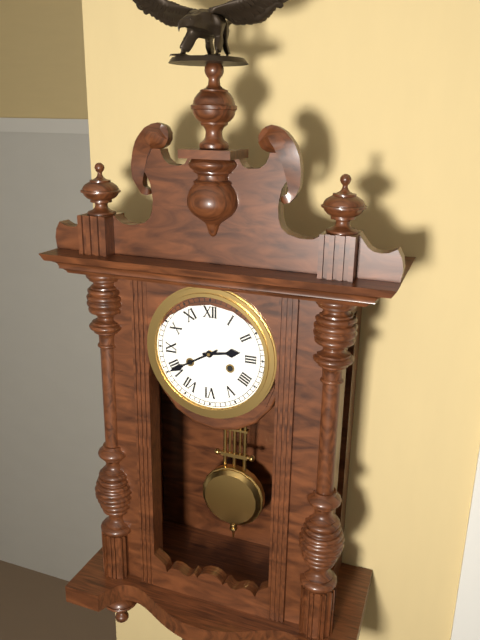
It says 2 h 40 min
